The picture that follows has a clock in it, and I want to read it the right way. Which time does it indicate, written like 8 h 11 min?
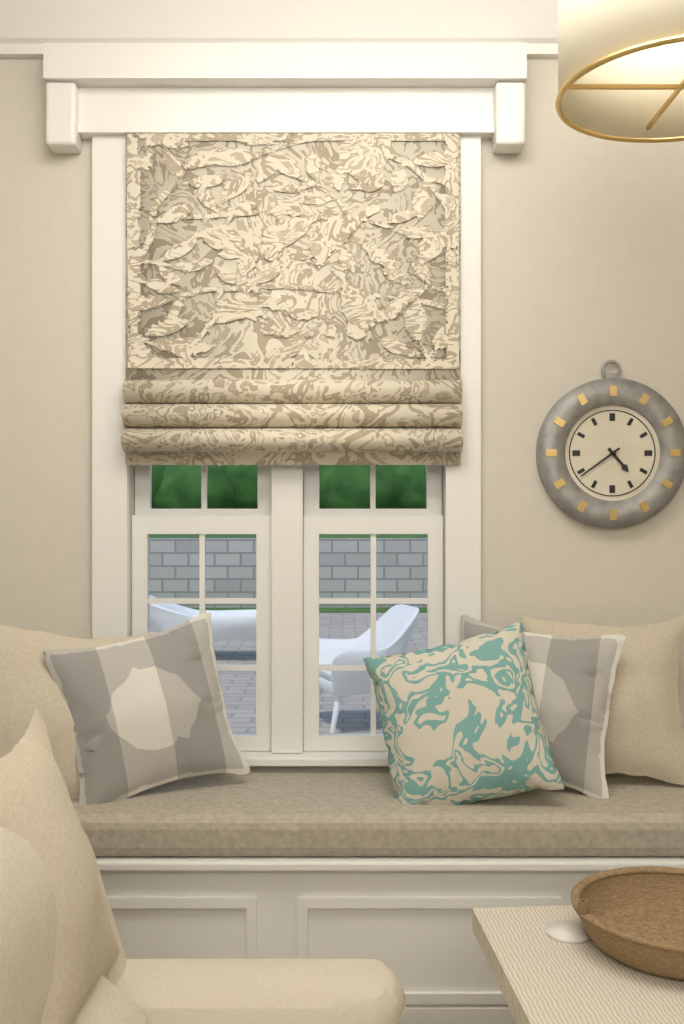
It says 4 h 39 min
